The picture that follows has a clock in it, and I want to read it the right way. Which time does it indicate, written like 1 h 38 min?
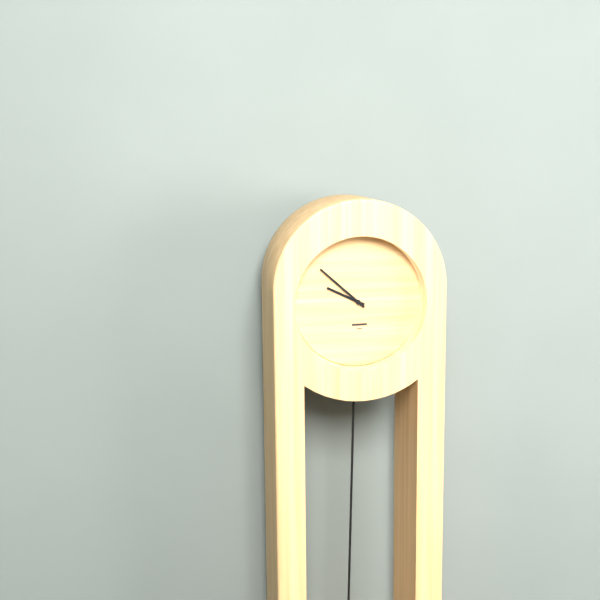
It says 9 h 52 min
